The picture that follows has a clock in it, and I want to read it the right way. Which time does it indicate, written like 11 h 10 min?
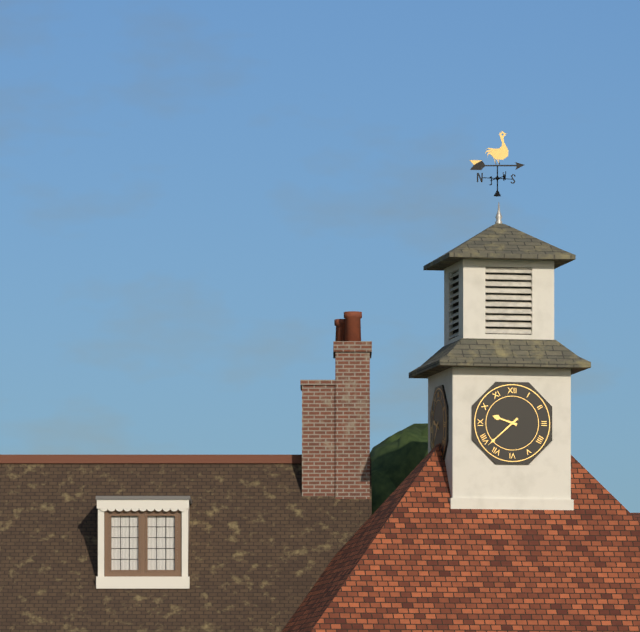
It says 9 h 38 min
